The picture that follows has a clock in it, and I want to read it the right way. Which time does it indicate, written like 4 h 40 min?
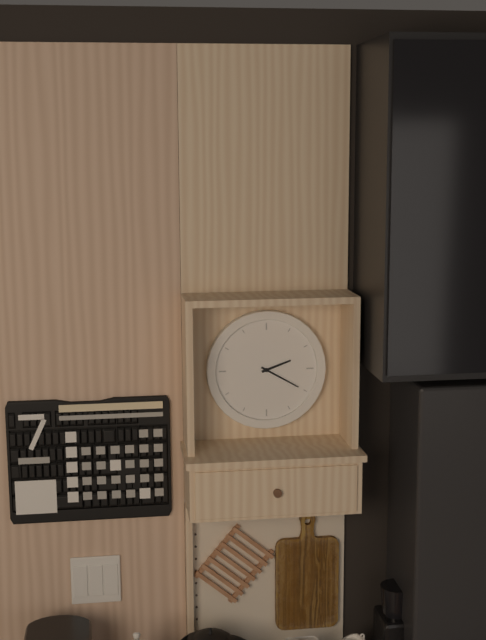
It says 2 h 20 min
